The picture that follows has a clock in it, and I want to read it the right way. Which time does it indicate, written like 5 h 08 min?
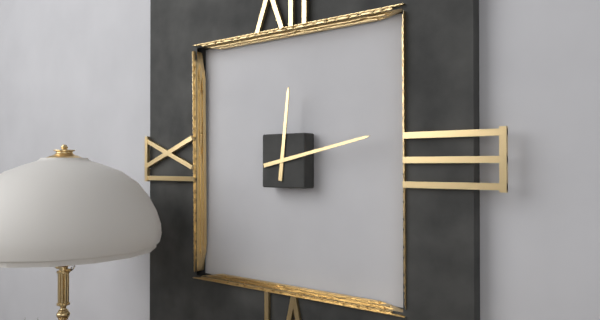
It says 12 h 13 min
